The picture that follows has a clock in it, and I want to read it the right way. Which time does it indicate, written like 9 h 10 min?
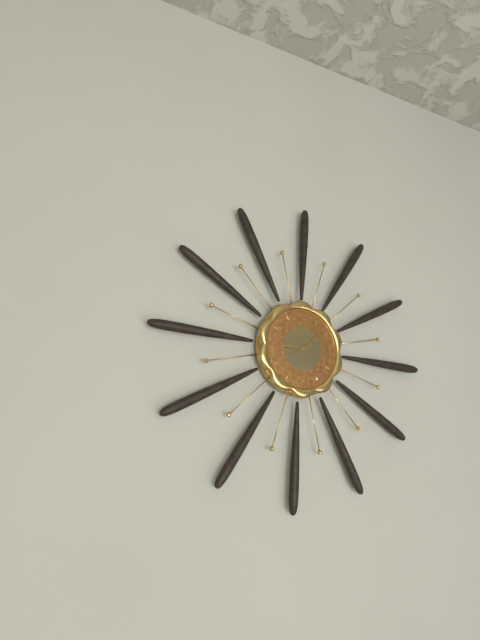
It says 1 h 45 min
